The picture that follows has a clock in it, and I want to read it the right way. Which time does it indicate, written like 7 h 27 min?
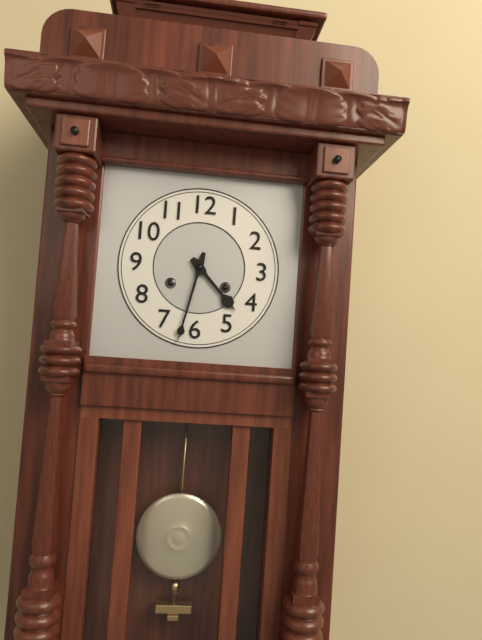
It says 4 h 32 min
